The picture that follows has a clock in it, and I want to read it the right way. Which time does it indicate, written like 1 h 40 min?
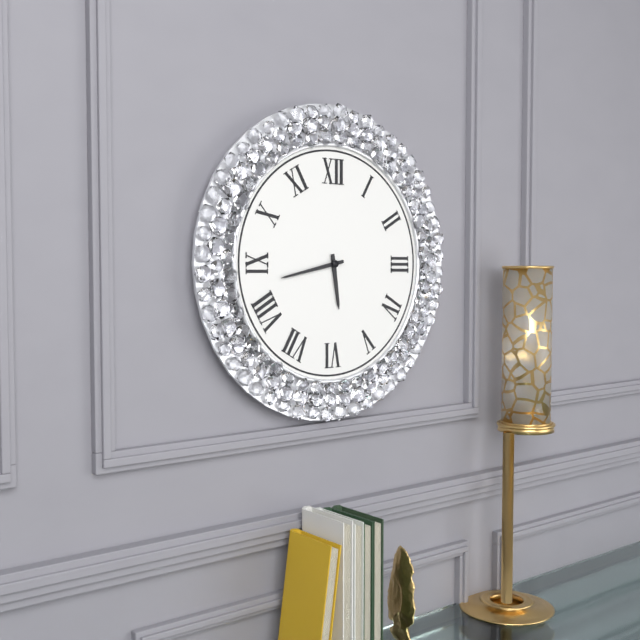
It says 5 h 43 min
